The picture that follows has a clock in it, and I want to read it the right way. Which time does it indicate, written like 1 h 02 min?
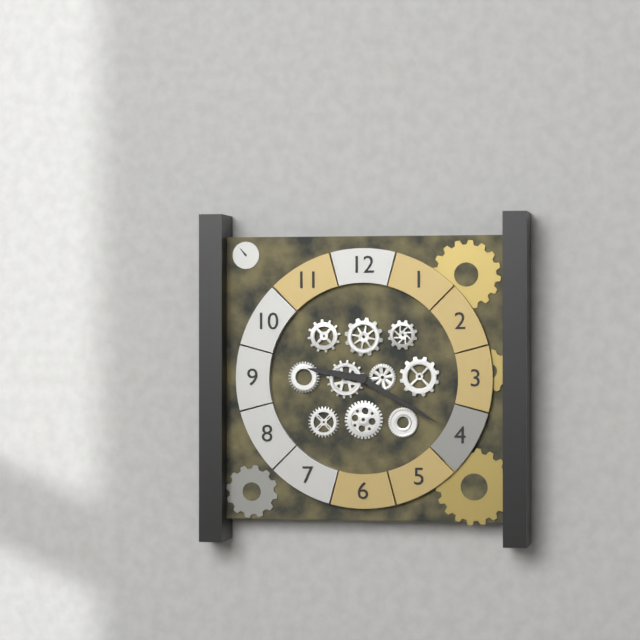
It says 9 h 20 min
